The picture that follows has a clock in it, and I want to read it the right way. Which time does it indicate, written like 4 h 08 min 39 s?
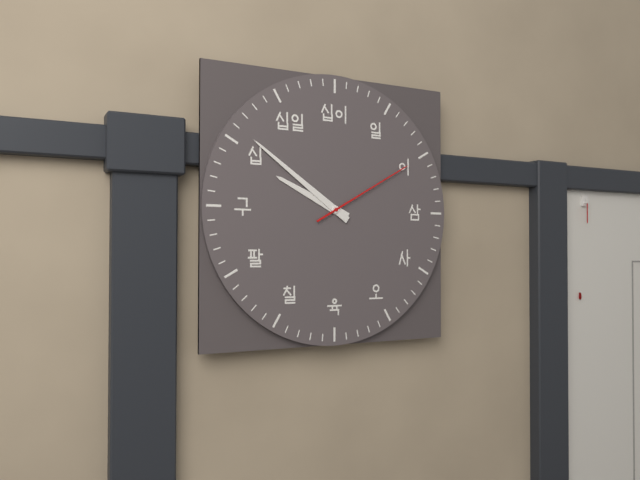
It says 9 h 51 min 10 s
